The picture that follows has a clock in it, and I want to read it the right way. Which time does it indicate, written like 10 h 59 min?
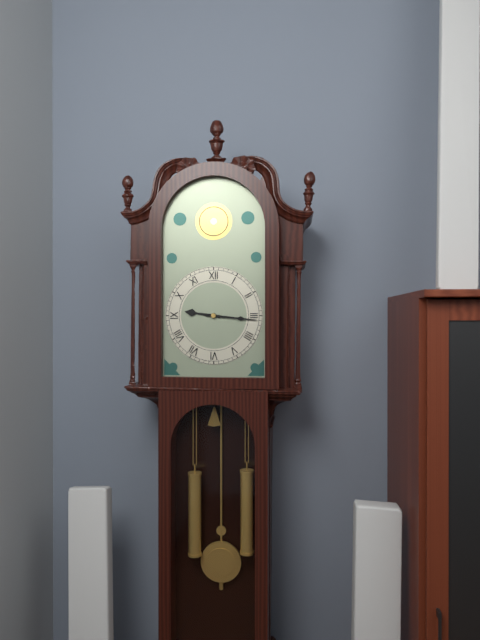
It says 9 h 16 min
